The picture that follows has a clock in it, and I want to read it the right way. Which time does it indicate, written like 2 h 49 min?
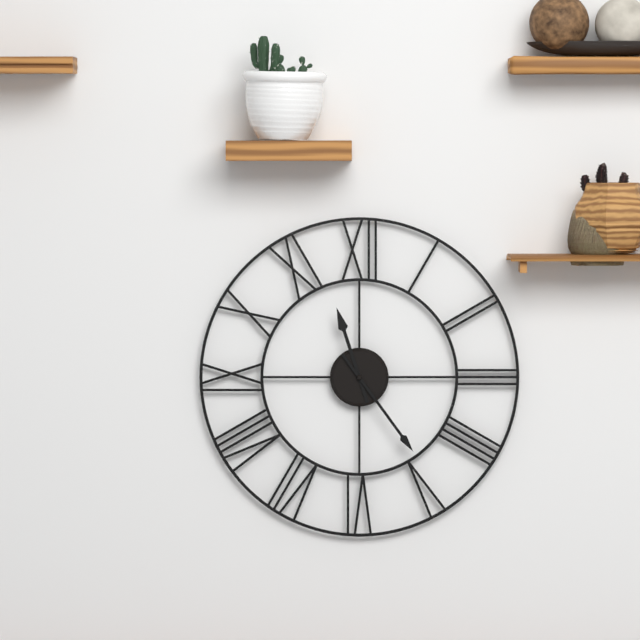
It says 11 h 24 min
